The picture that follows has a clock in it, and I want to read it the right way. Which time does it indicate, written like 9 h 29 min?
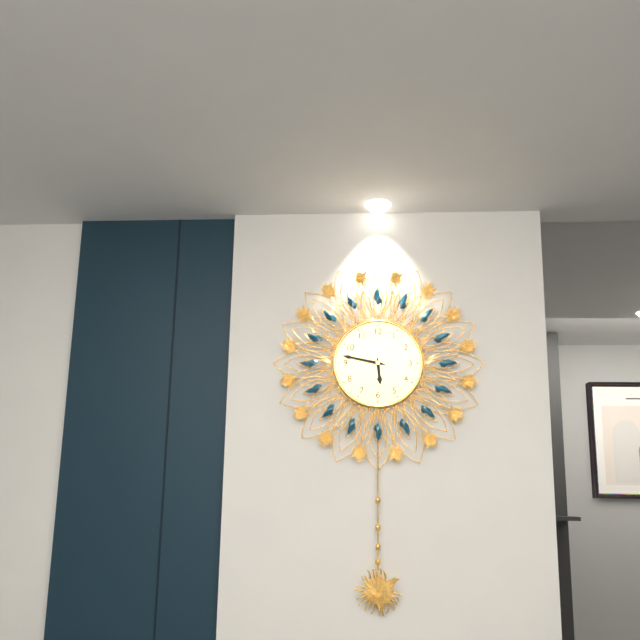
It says 5 h 47 min
